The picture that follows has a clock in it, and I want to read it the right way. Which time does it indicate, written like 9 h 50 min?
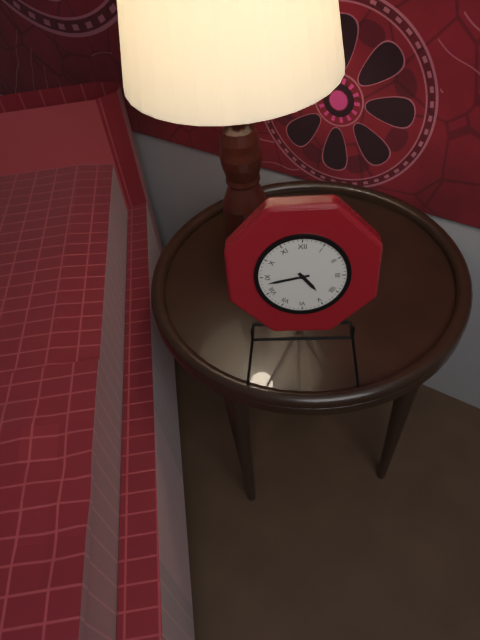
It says 4 h 43 min
